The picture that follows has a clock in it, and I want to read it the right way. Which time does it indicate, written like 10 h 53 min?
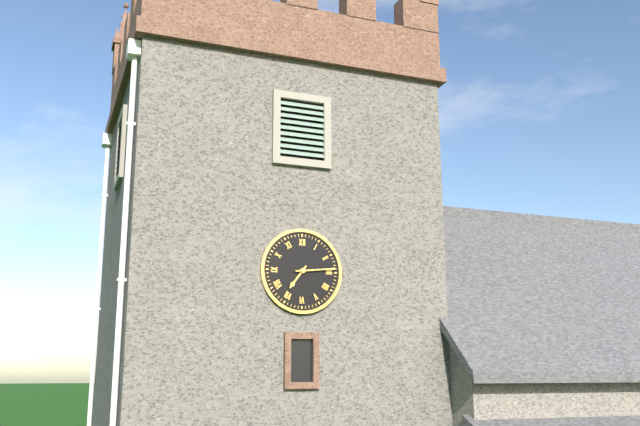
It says 7 h 14 min
